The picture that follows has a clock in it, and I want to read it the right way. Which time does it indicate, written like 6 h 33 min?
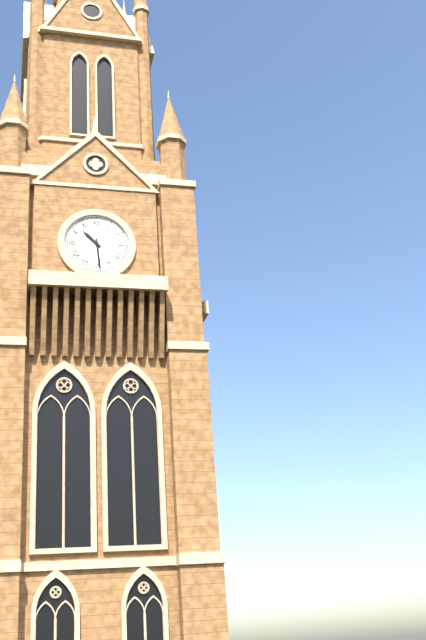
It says 10 h 29 min
